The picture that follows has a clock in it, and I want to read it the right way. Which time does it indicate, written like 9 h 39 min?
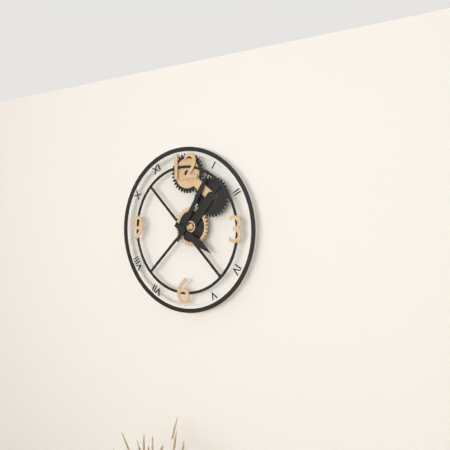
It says 4 h 05 min
